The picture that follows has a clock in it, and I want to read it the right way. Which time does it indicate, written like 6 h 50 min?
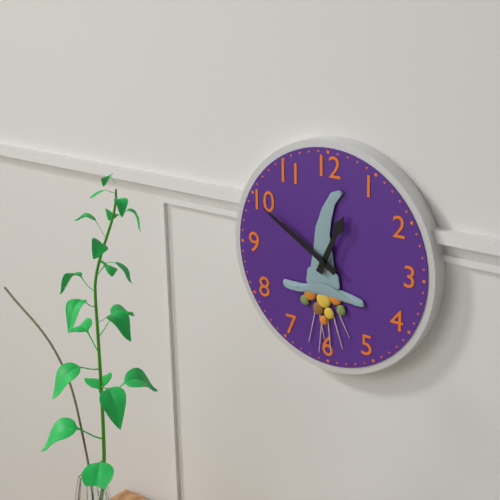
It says 12 h 50 min
